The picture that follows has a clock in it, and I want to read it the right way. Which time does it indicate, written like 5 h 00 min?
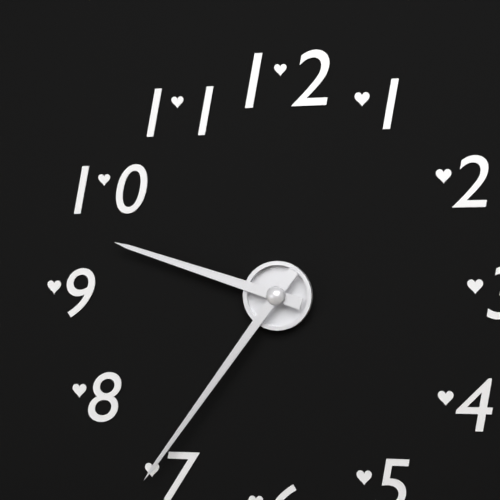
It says 9 h 36 min
